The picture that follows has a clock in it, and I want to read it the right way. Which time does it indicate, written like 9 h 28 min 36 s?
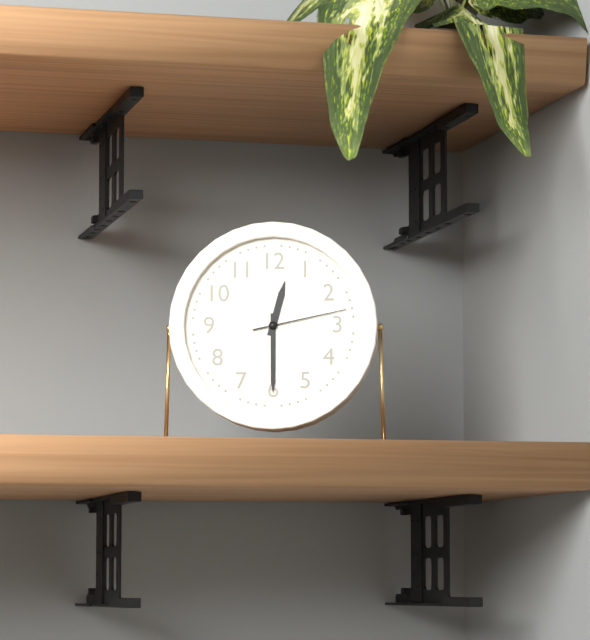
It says 12 h 30 min 13 s
